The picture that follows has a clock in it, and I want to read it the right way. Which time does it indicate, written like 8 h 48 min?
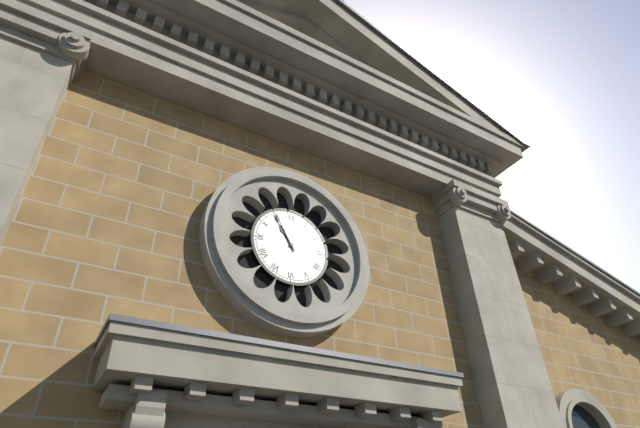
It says 10 h 55 min
